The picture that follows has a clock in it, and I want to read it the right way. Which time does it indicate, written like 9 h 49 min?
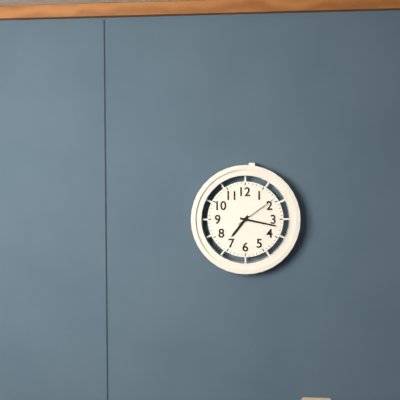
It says 7 h 17 min
